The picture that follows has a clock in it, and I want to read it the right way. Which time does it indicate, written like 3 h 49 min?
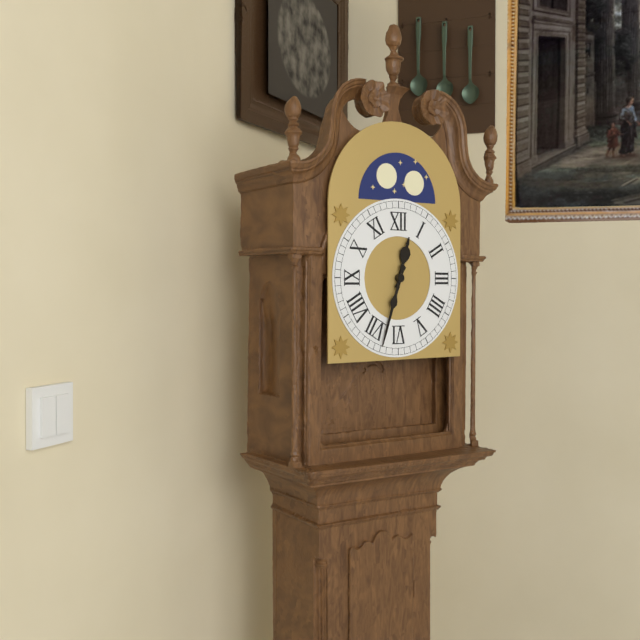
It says 12 h 33 min
